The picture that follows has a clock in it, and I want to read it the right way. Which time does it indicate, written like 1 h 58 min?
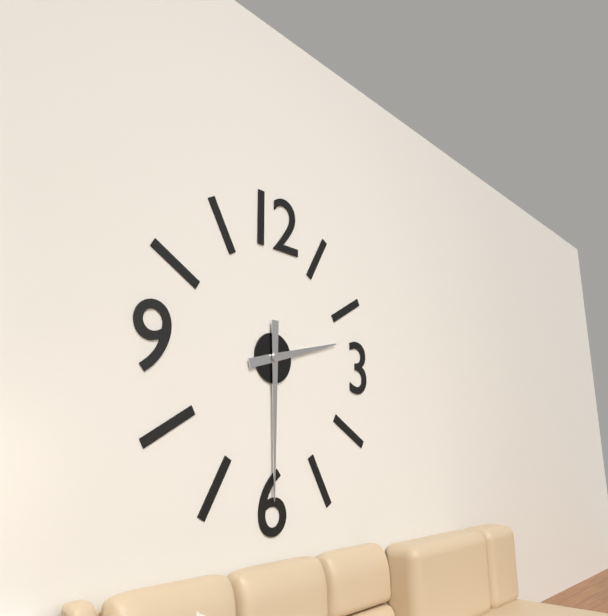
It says 2 h 30 min
